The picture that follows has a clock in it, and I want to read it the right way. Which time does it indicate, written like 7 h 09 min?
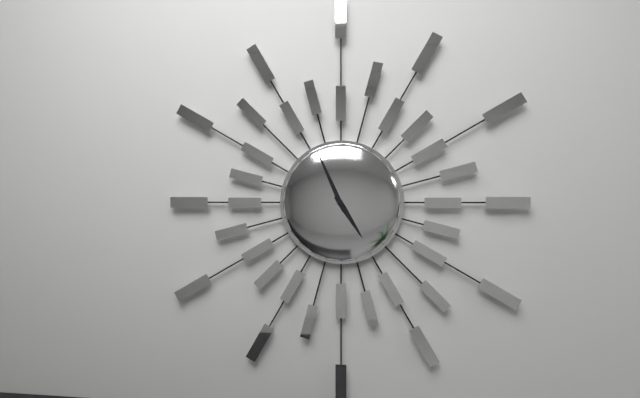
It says 4 h 56 min
